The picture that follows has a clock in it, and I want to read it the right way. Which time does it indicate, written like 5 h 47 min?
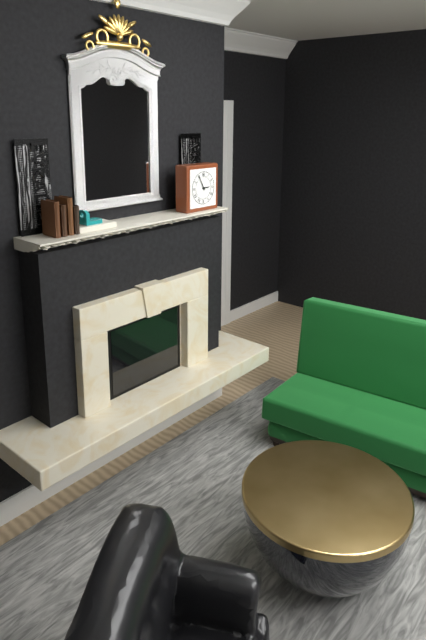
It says 2 h 55 min
